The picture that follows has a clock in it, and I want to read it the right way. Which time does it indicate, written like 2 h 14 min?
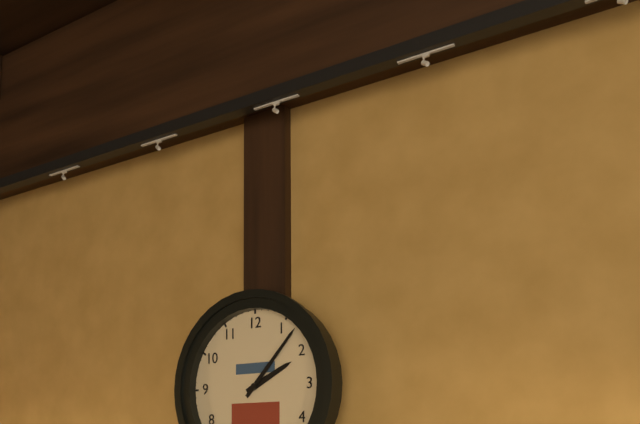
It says 2 h 07 min
